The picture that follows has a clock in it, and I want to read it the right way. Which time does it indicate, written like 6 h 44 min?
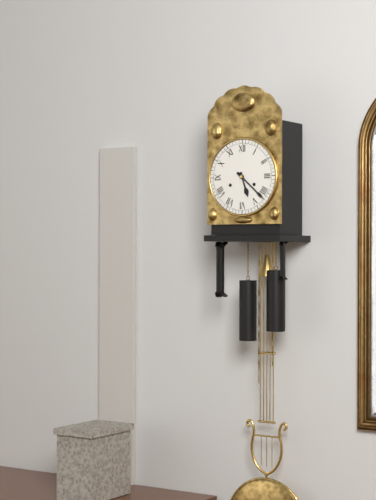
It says 5 h 22 min
